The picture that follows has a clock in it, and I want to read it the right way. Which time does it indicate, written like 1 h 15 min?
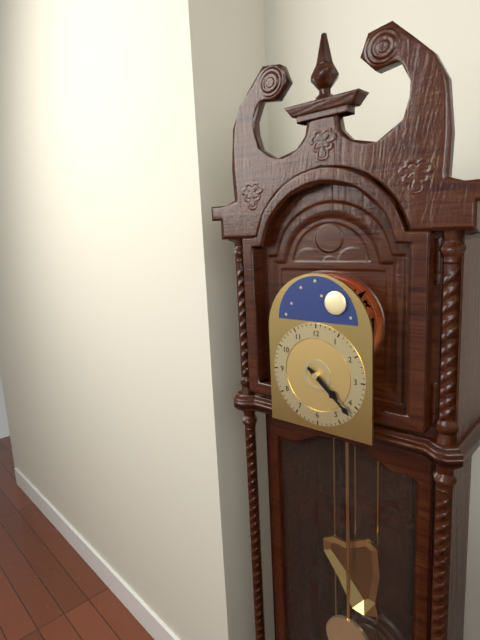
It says 4 h 22 min
